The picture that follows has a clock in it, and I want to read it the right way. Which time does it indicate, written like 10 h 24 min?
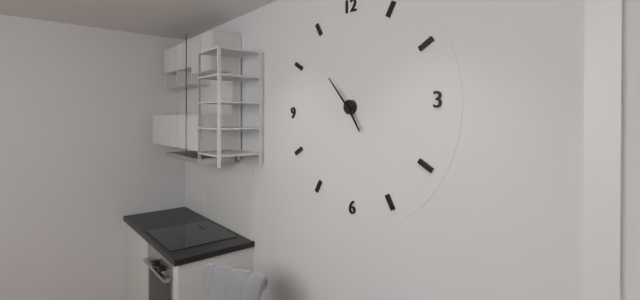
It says 4 h 53 min
